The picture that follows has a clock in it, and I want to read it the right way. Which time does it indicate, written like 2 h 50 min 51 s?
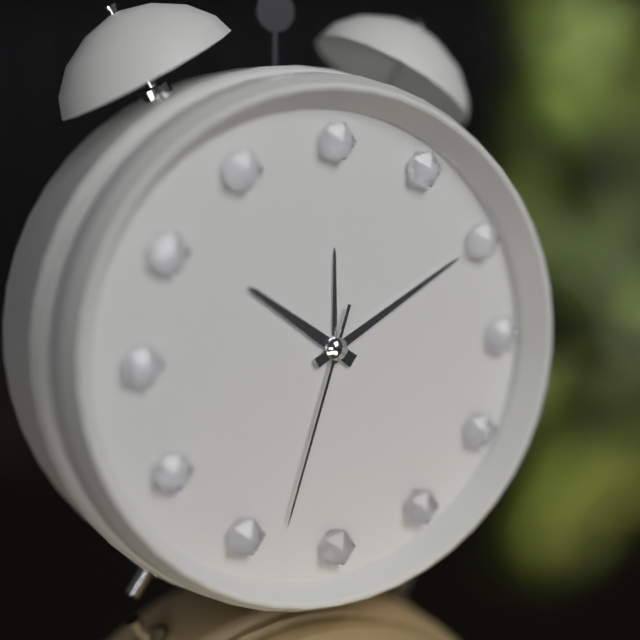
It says 10 h 10 min 33 s
